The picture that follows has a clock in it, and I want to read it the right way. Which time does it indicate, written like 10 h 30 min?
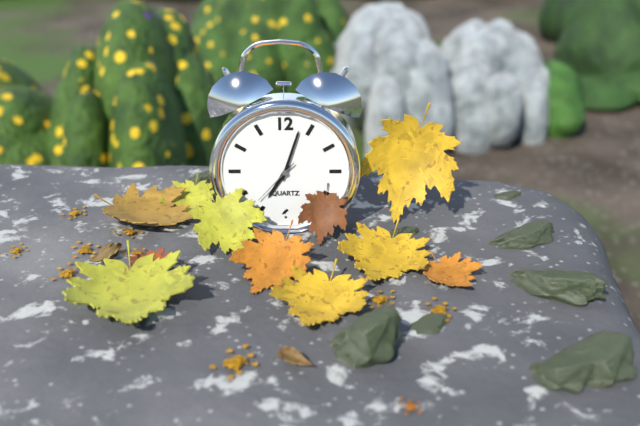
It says 7 h 03 min
